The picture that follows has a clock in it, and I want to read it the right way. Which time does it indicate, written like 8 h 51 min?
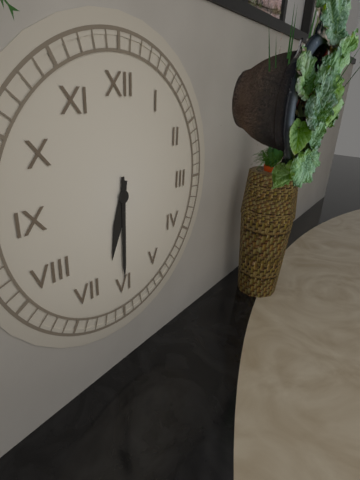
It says 6 h 30 min
